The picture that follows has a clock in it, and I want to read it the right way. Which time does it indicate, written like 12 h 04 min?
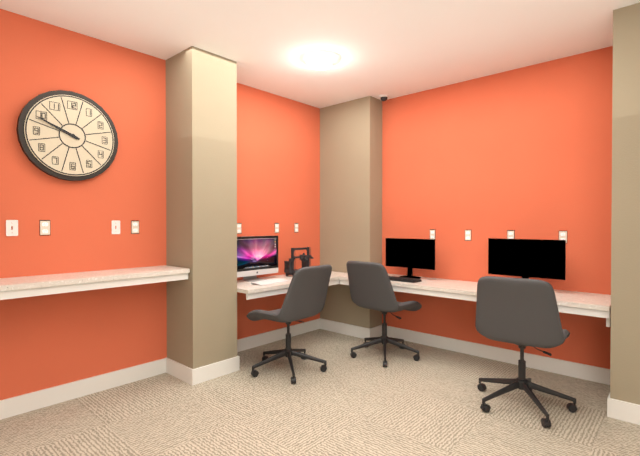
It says 9 h 49 min
